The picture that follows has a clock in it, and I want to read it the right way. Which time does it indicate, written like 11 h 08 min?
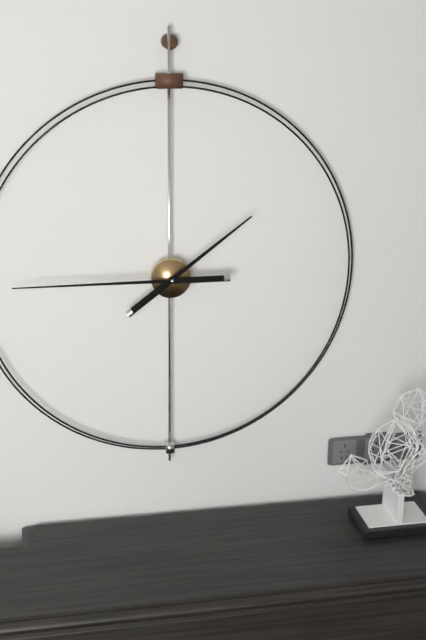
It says 1 h 45 min
